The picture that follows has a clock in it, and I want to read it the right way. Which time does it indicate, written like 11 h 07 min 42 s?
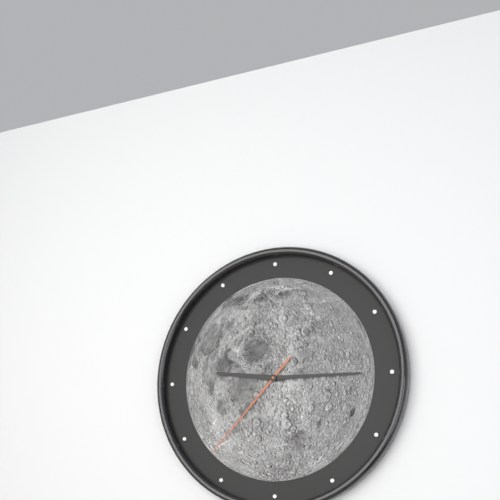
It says 9 h 15 min 37 s
